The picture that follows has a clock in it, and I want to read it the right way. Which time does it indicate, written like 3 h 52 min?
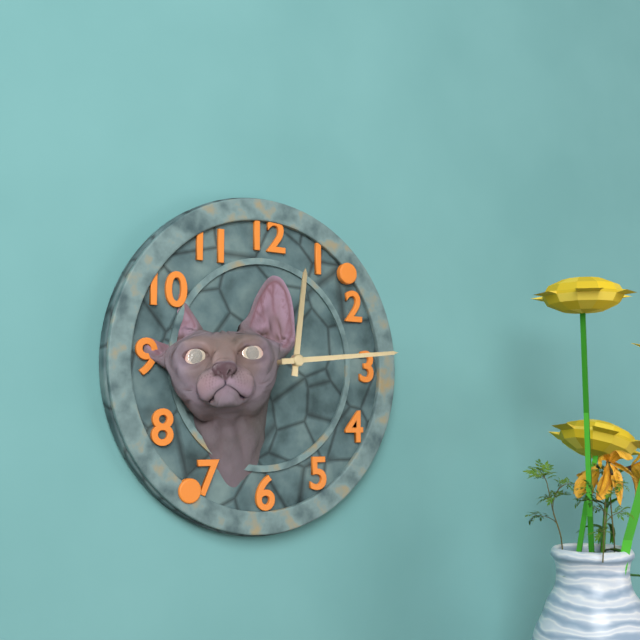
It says 12 h 14 min
